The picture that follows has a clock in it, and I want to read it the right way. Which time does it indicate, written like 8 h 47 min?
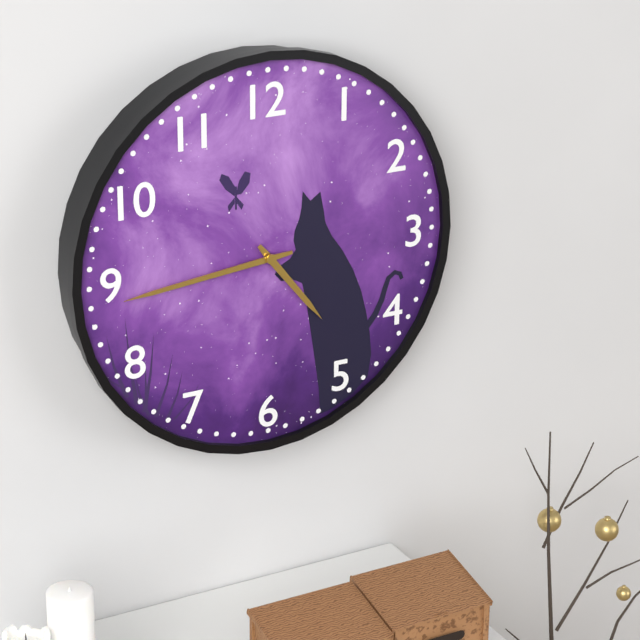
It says 4 h 44 min
